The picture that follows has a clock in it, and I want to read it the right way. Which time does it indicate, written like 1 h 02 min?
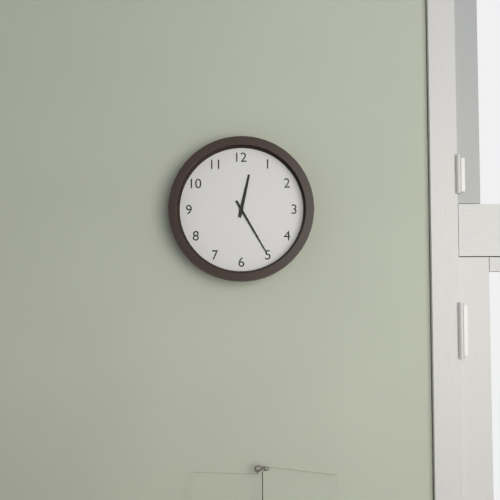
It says 12 h 25 min
